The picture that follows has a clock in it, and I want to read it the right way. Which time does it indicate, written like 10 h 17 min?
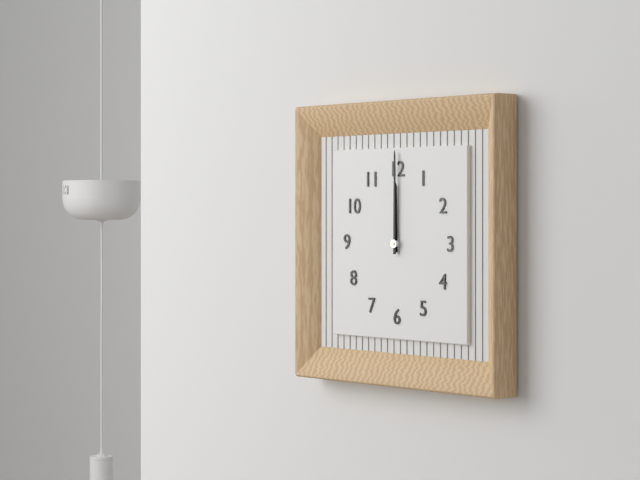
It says 12 h 00 min
